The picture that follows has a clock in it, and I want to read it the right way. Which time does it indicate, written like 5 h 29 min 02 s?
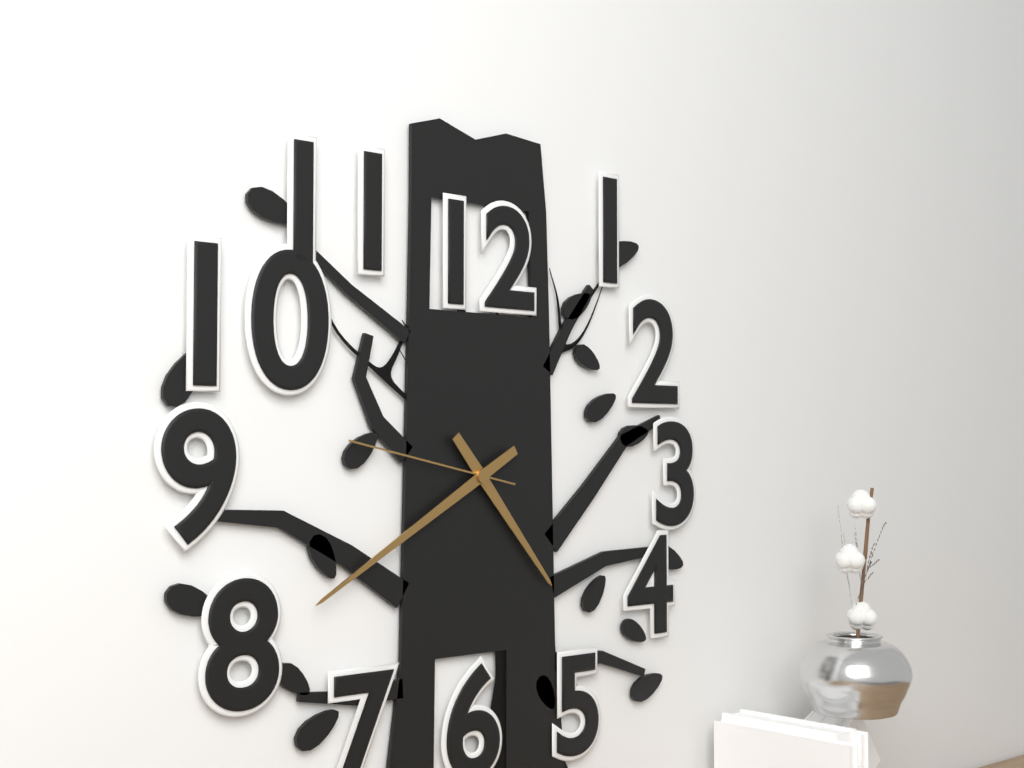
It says 4 h 40 min 47 s
